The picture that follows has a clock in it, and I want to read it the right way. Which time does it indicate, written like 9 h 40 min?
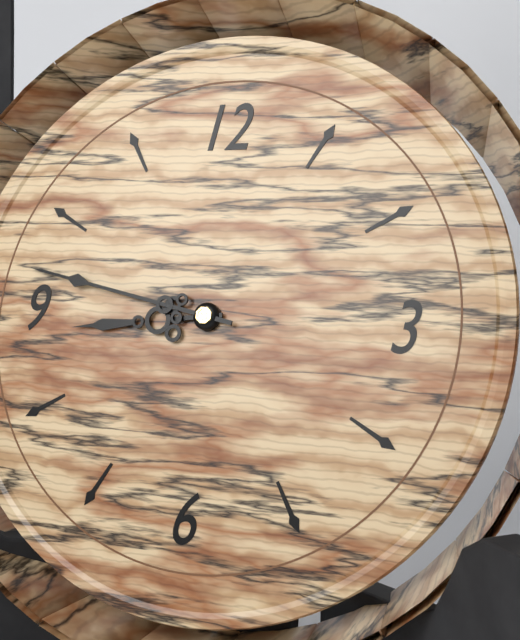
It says 8 h 47 min
